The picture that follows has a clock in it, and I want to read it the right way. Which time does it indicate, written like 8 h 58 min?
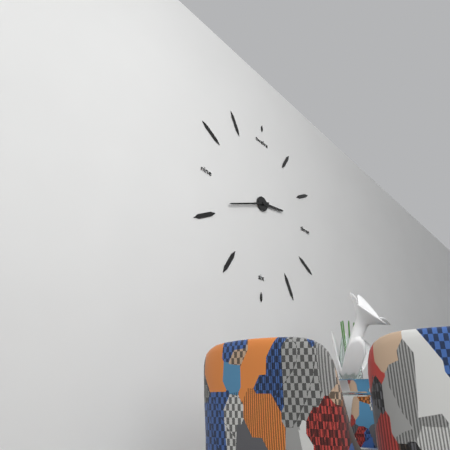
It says 2 h 41 min
